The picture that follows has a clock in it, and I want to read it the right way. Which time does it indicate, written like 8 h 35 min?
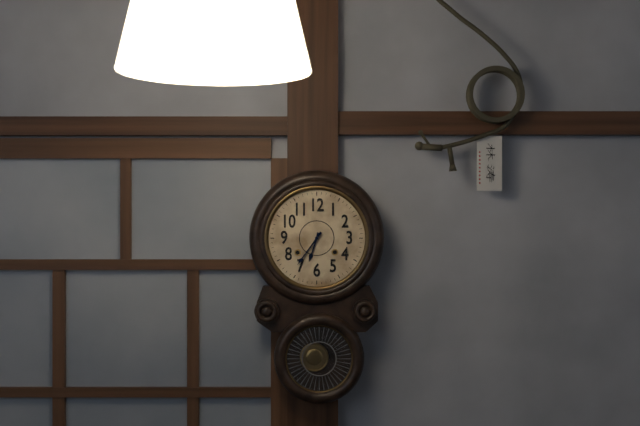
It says 6 h 36 min
